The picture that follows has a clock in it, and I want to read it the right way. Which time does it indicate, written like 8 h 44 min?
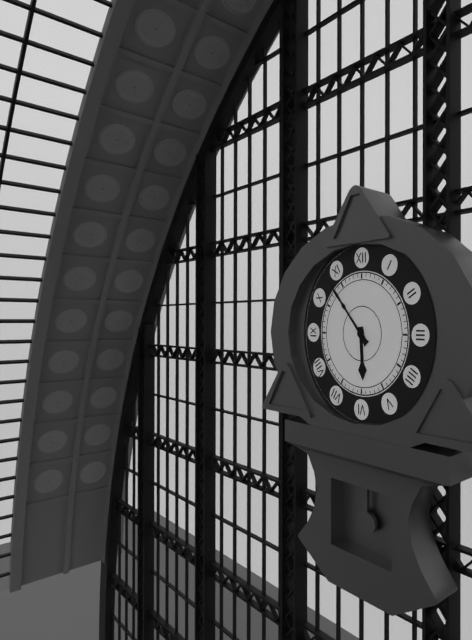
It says 5 h 53 min
